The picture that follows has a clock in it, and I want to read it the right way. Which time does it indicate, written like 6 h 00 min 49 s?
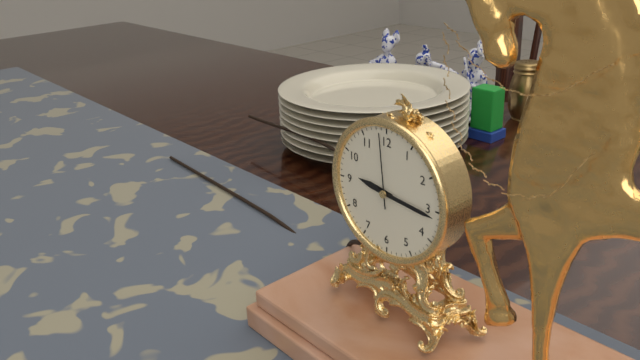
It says 9 h 16 min 59 s
